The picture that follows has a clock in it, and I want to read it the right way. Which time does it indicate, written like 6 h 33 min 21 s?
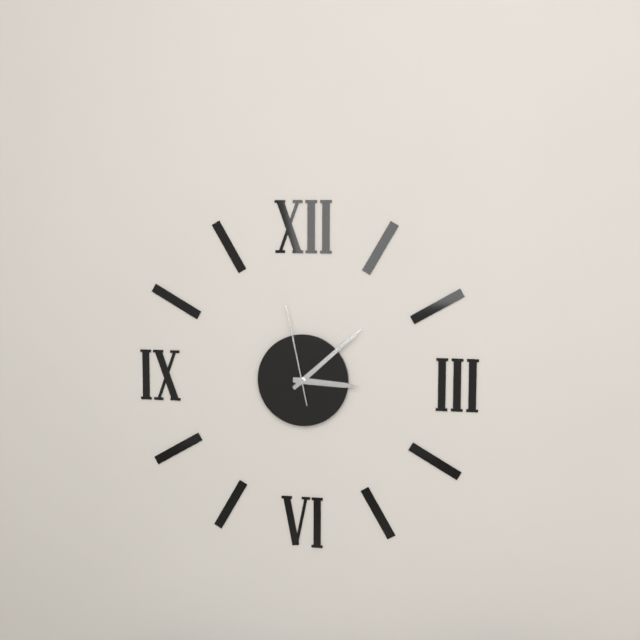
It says 3 h 08 min 58 s
